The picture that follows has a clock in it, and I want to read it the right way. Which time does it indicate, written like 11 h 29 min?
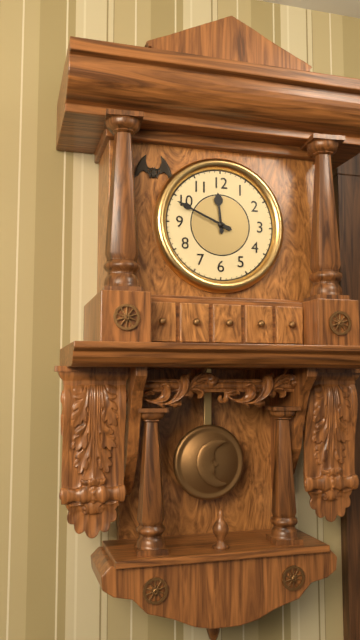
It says 11 h 49 min
